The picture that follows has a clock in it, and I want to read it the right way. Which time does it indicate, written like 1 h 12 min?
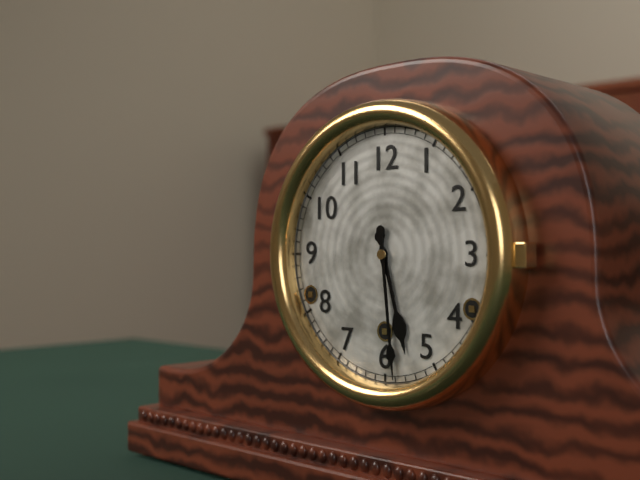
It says 5 h 29 min
